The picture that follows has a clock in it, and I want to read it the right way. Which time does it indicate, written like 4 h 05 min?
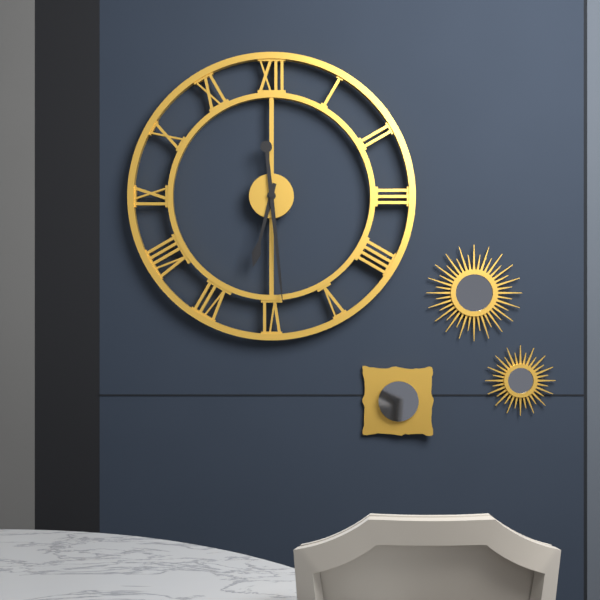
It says 6 h 29 min
